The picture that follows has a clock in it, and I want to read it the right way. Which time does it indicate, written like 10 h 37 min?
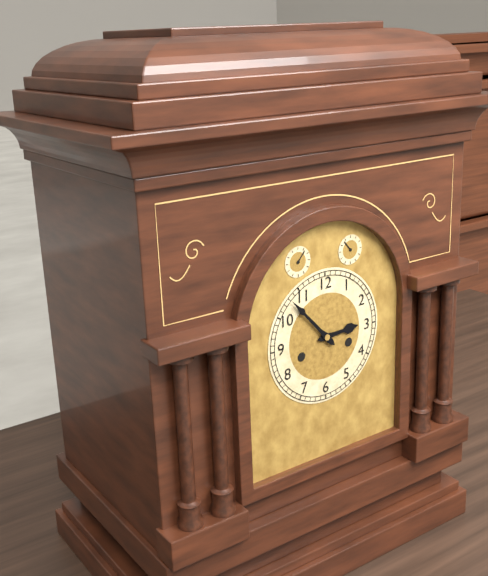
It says 2 h 53 min
